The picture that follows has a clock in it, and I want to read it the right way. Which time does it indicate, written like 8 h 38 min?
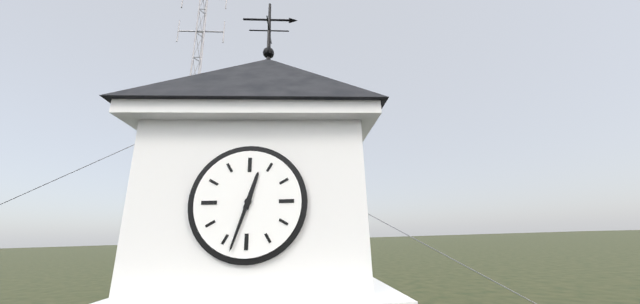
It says 12 h 33 min
